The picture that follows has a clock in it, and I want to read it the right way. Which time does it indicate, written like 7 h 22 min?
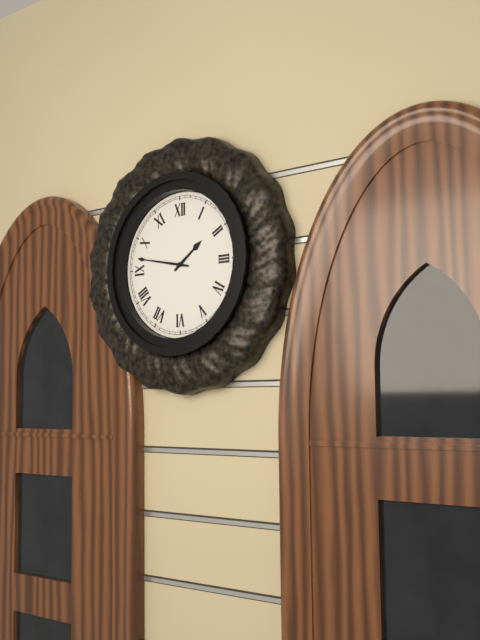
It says 1 h 47 min
